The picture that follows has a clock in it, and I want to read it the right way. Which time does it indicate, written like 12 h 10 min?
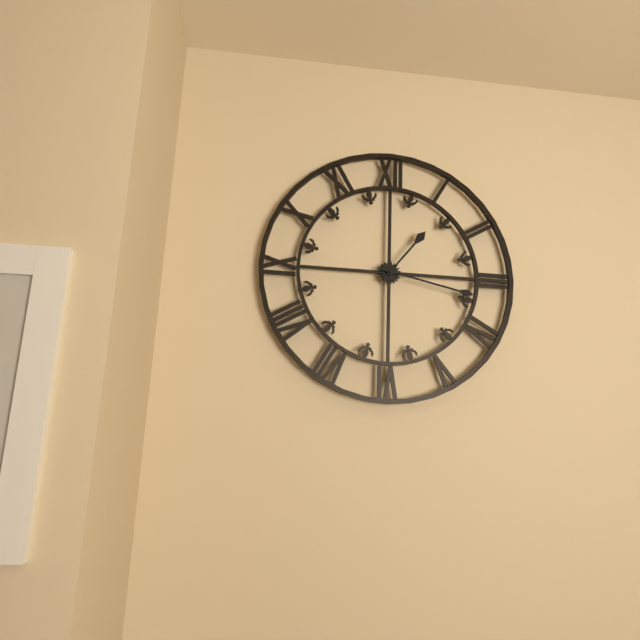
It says 1 h 17 min
